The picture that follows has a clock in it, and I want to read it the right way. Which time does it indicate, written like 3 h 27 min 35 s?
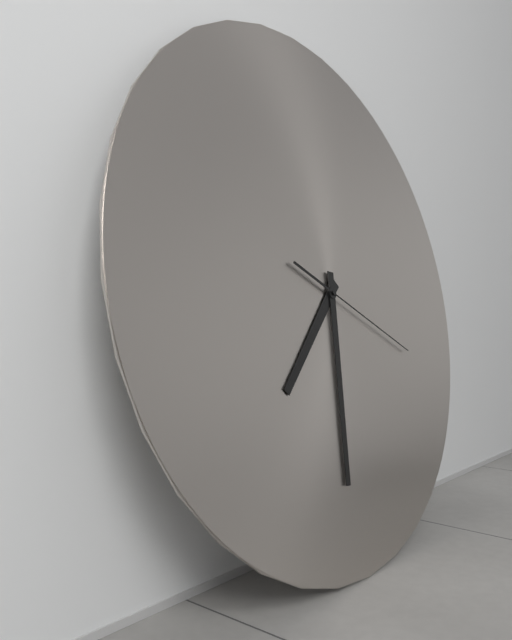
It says 7 h 31 min 19 s
